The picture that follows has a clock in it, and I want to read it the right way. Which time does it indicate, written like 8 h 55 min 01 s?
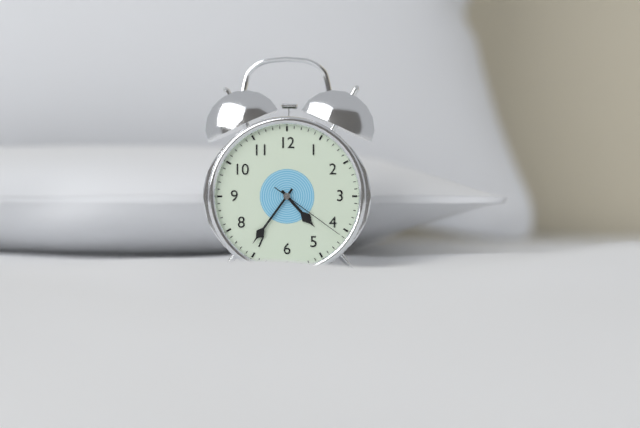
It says 4 h 36 min 21 s
